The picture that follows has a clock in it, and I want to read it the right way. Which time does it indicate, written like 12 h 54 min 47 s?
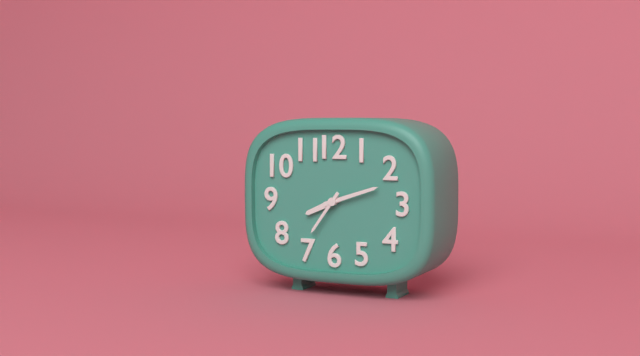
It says 8 h 12 min 36 s
